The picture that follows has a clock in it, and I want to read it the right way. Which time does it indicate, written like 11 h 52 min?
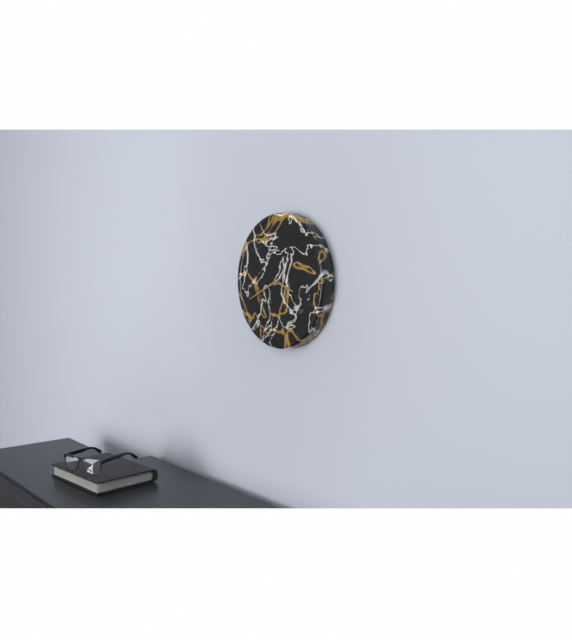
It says 3 h 41 min
